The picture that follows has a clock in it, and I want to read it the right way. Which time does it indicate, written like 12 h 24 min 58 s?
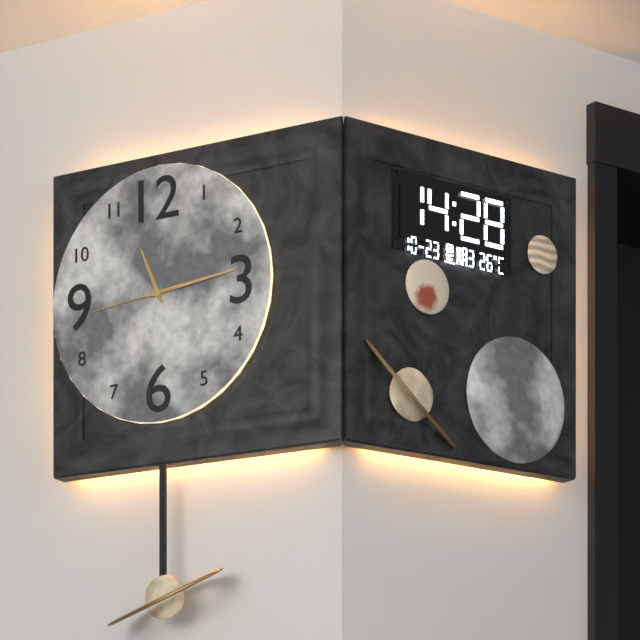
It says 11 h 14 min 44 s
